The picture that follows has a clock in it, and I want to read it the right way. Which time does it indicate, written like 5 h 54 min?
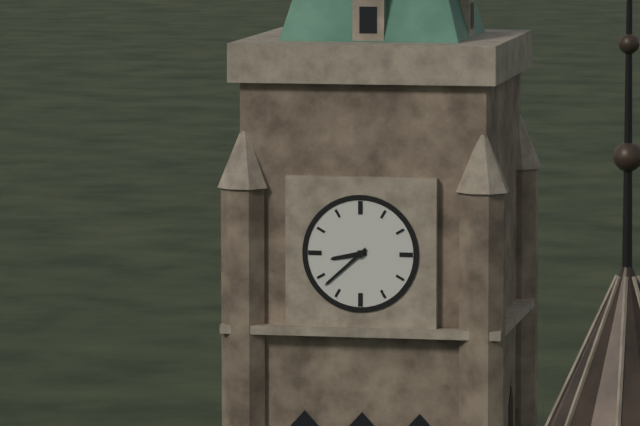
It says 8 h 38 min
